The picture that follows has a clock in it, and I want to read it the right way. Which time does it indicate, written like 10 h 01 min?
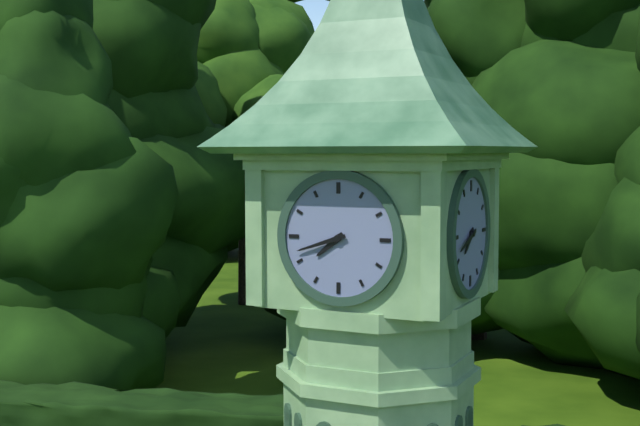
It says 7 h 42 min
